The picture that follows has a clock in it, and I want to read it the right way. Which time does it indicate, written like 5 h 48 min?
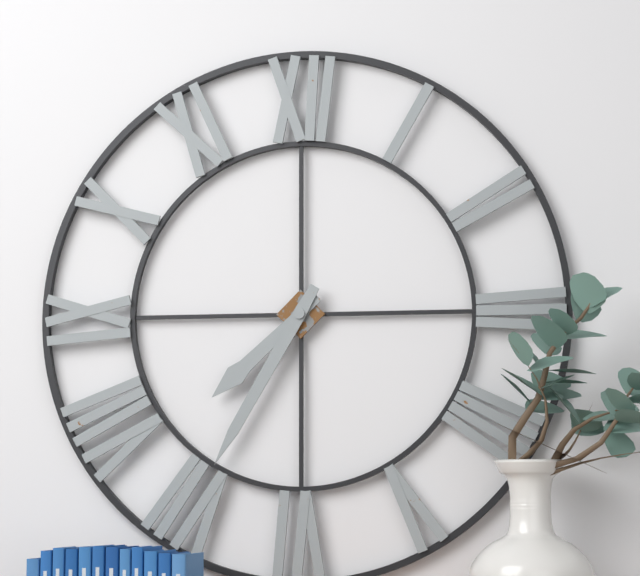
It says 7 h 35 min
